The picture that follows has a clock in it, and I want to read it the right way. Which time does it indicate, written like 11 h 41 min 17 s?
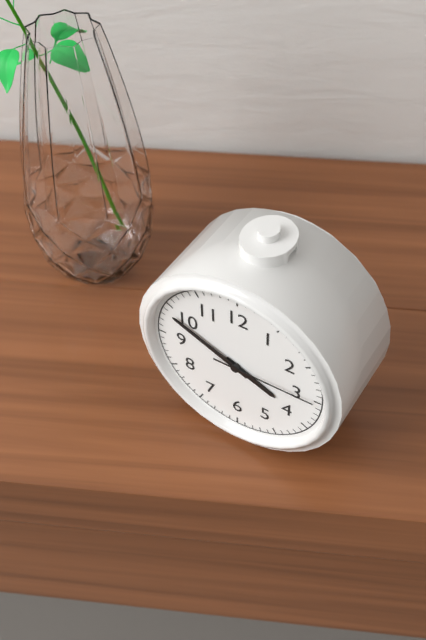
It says 3 h 49 min 15 s
